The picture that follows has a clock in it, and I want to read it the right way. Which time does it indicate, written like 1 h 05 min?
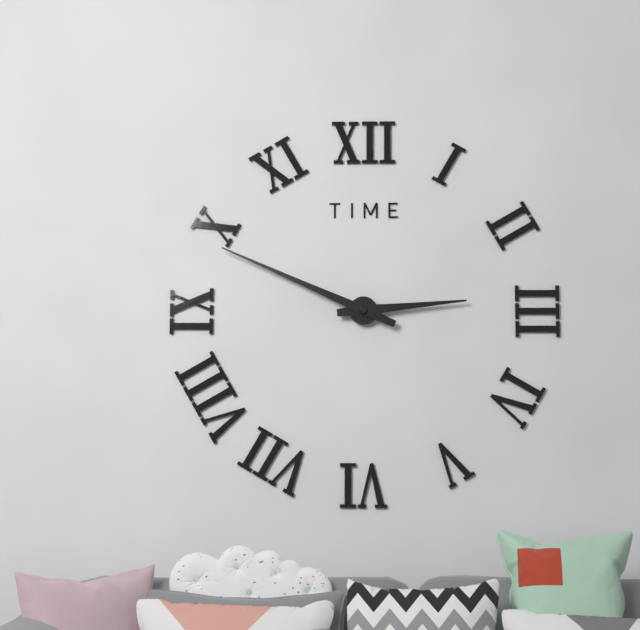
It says 2 h 49 min
